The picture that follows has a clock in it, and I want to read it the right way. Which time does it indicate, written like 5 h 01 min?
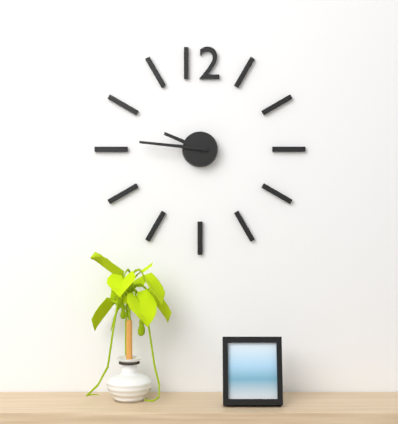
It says 9 h 46 min
